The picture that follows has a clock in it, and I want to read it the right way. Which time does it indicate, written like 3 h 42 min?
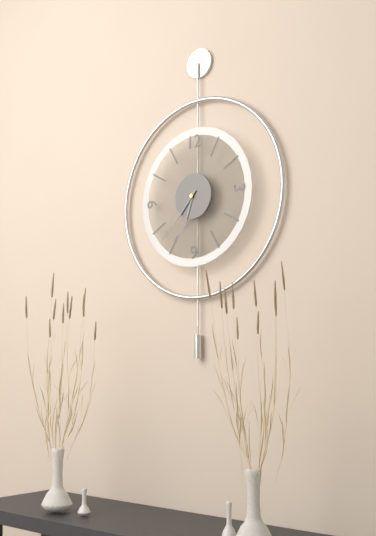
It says 6 h 37 min
